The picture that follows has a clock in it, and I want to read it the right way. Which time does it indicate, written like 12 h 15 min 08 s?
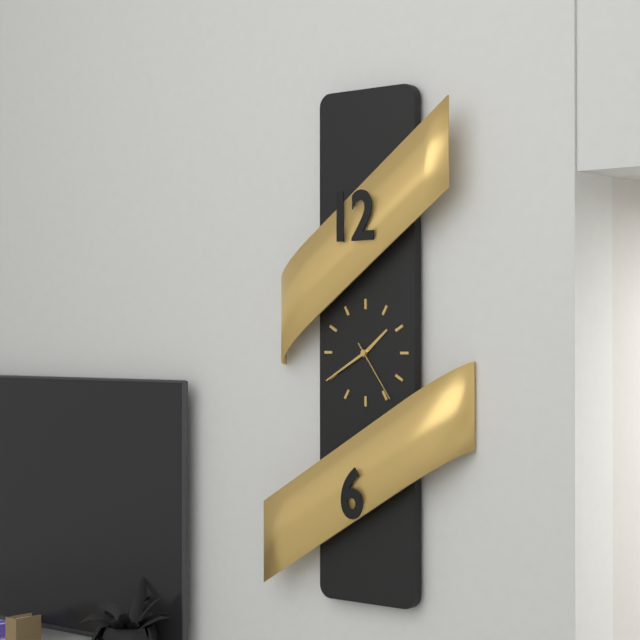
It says 1 h 40 min 24 s
